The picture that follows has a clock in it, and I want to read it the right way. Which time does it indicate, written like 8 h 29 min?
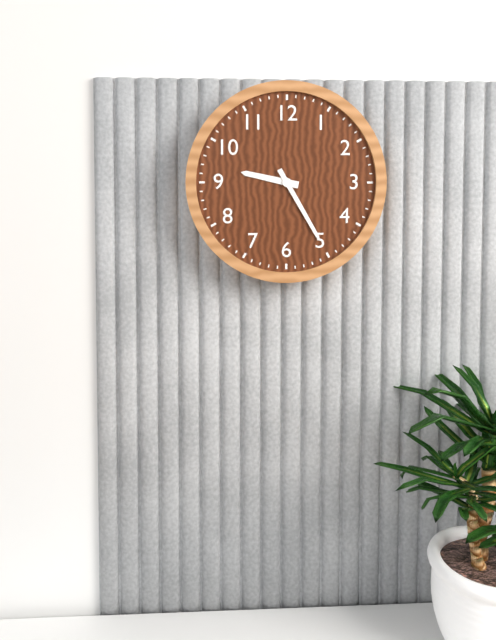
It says 9 h 25 min
